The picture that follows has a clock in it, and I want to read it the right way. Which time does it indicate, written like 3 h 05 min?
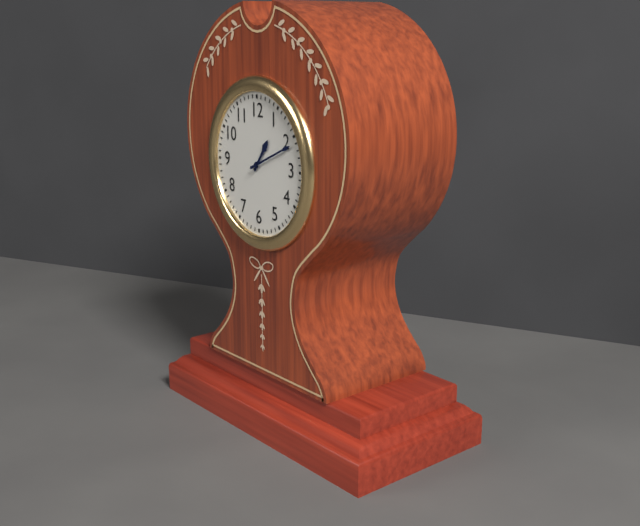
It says 1 h 11 min
